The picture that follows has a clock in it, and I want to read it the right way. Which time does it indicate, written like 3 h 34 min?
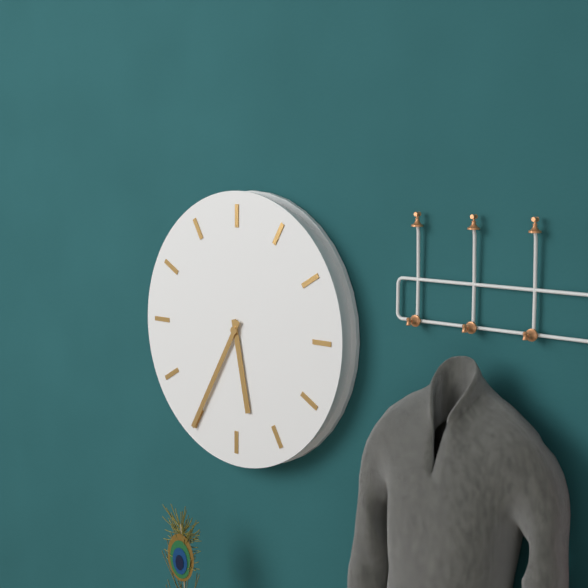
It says 5 h 35 min
